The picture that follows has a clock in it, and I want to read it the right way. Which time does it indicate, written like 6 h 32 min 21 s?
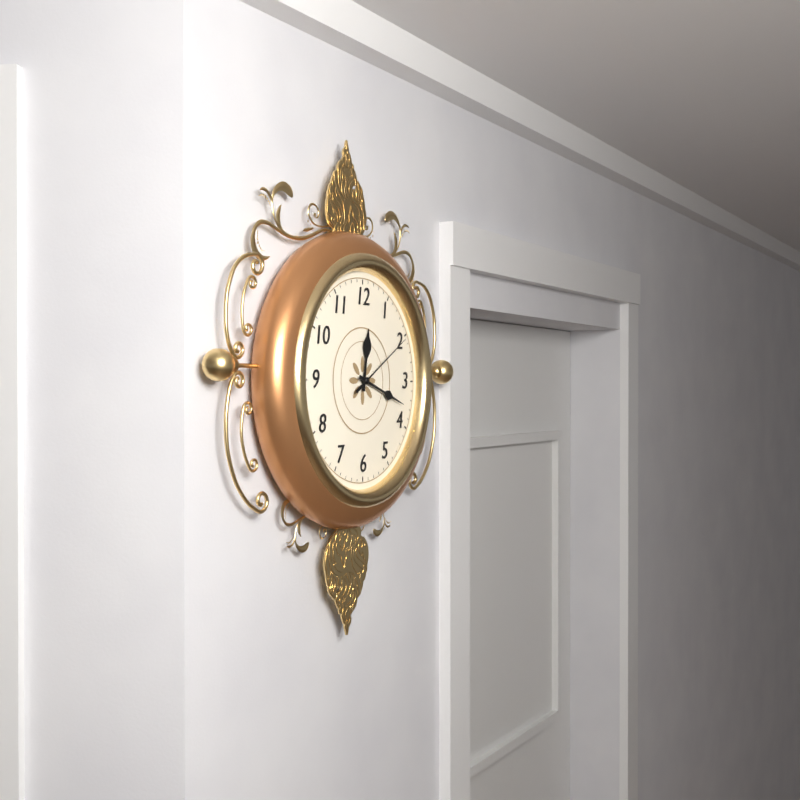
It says 12 h 18 min 10 s
